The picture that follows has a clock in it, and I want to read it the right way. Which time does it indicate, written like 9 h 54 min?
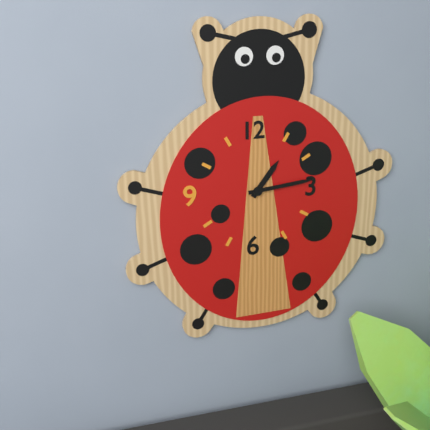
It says 1 h 14 min
